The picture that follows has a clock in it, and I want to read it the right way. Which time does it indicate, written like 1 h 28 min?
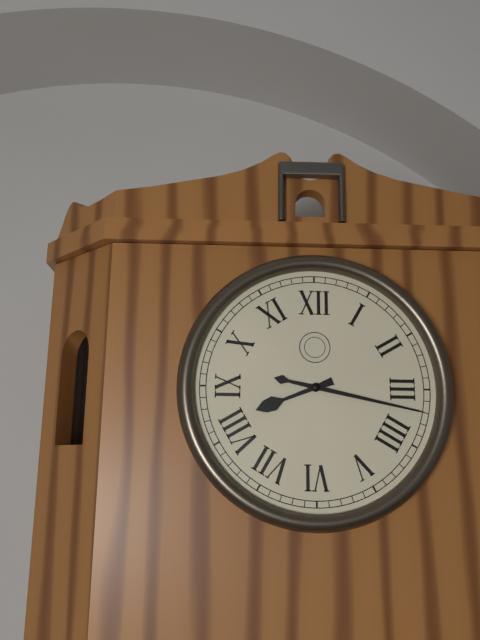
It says 8 h 17 min
